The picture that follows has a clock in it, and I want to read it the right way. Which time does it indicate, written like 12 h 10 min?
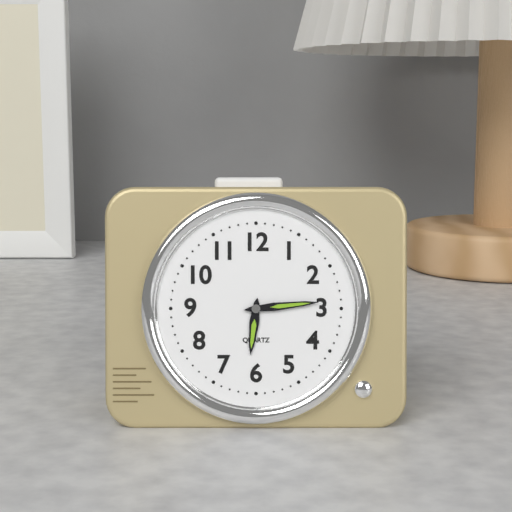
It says 6 h 14 min
